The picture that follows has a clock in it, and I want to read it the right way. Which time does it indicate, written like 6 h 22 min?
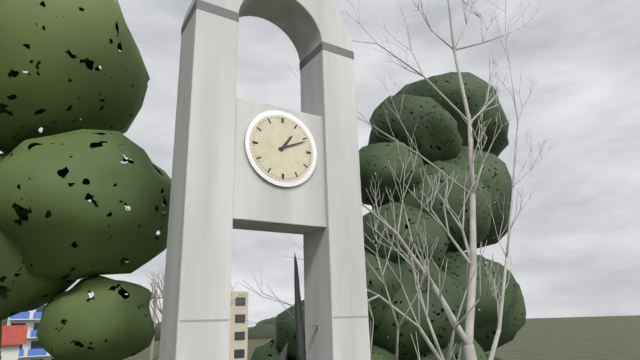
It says 1 h 11 min
